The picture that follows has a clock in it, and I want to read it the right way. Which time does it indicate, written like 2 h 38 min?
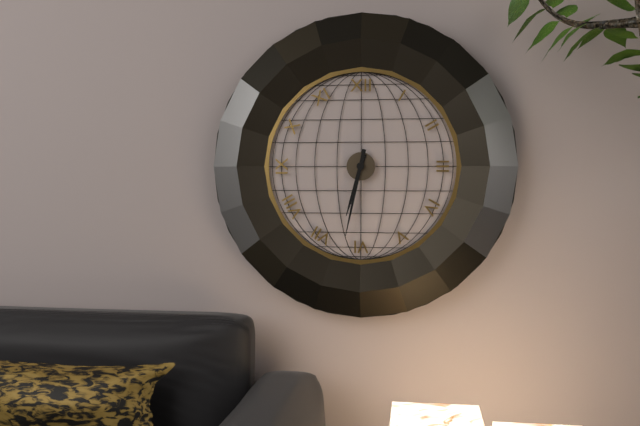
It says 6 h 32 min
